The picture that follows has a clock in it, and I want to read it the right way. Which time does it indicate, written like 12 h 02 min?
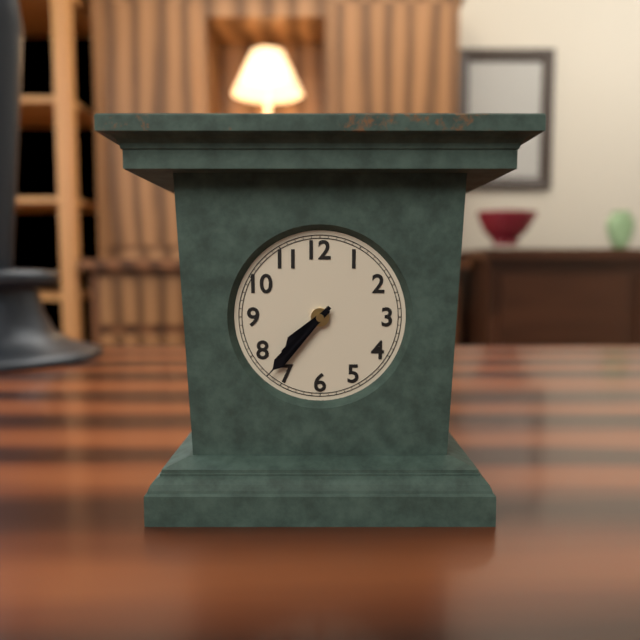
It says 7 h 37 min
